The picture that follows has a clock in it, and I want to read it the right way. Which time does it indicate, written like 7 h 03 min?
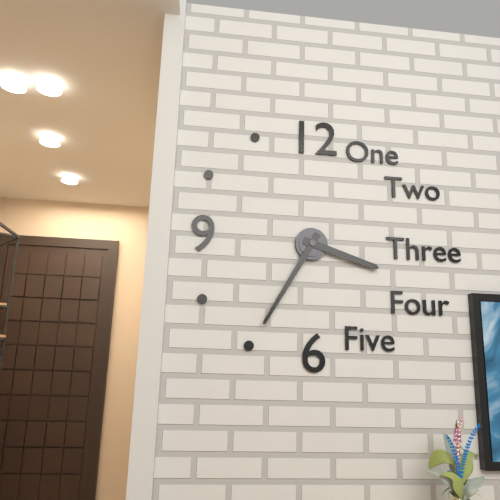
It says 3 h 35 min
